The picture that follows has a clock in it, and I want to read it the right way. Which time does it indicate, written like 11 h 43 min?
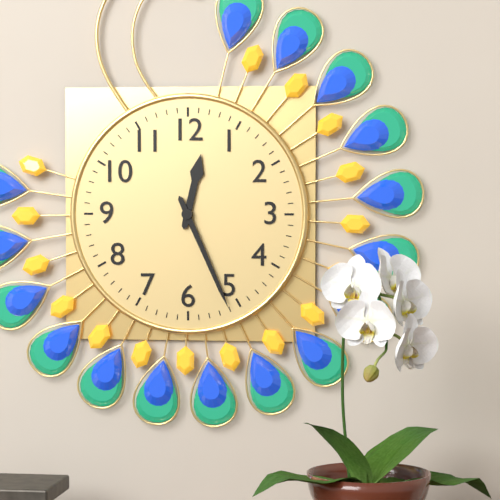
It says 12 h 26 min
